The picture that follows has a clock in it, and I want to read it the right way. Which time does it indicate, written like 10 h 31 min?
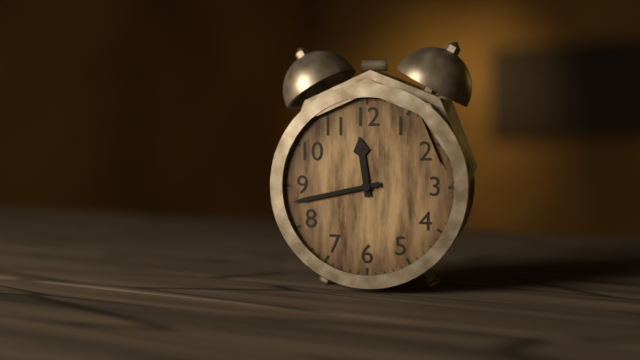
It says 11 h 43 min
